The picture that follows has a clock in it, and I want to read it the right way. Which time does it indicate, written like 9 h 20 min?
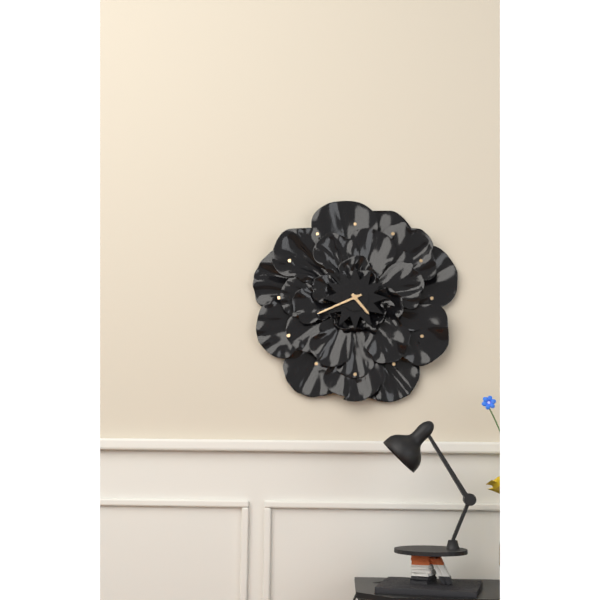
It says 4 h 41 min
